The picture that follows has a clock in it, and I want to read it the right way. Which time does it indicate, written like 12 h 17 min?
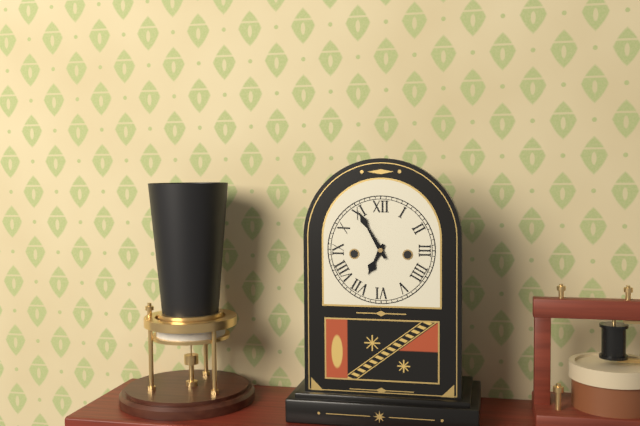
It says 6 h 55 min
